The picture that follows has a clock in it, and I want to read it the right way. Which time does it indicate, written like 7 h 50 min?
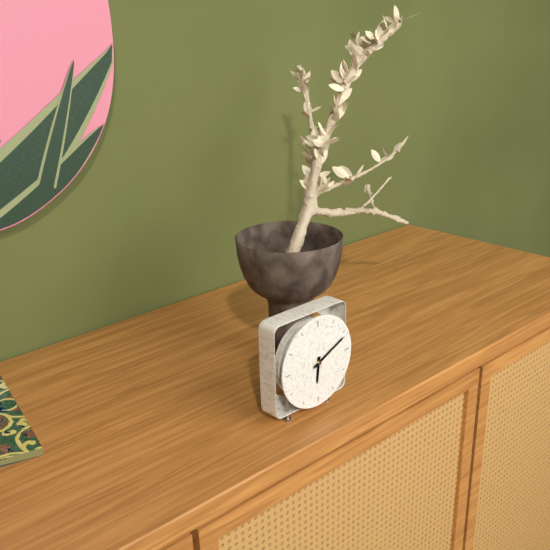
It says 6 h 11 min
